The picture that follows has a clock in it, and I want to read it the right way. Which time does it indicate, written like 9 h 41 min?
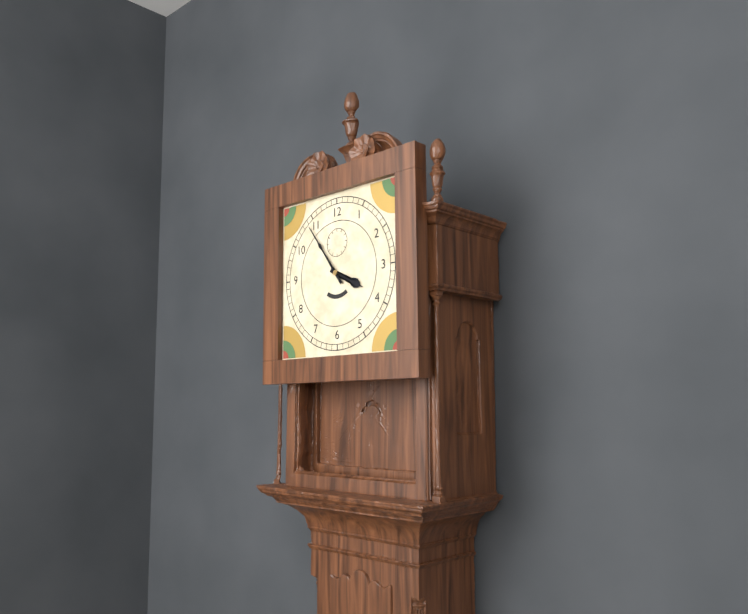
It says 3 h 54 min
